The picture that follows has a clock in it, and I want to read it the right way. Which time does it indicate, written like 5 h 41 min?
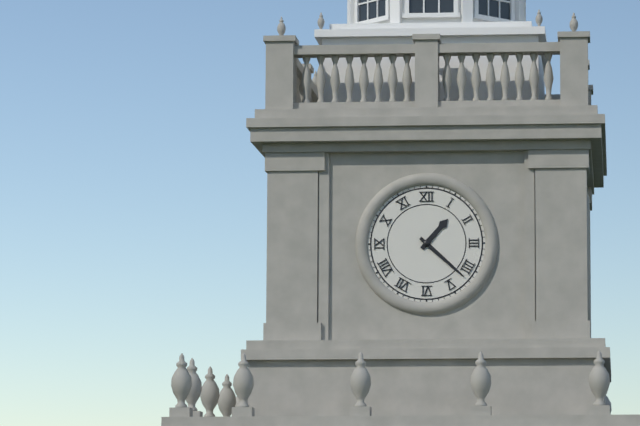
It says 1 h 22 min
